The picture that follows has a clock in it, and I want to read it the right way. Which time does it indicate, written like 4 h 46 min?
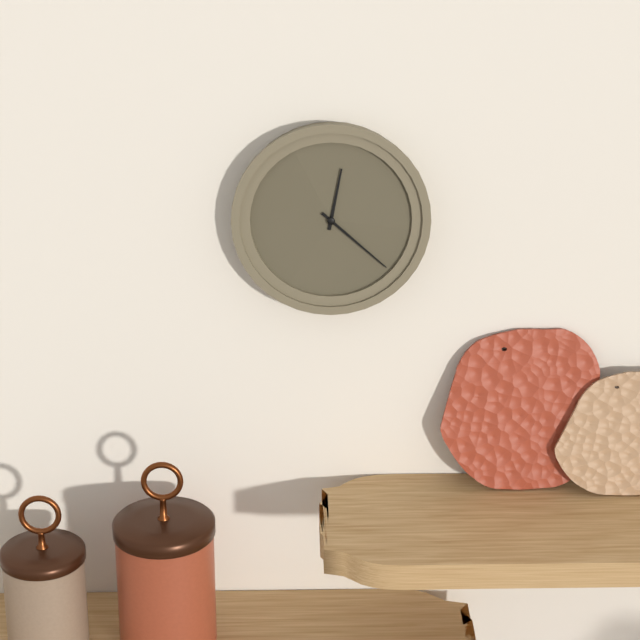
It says 12 h 22 min
